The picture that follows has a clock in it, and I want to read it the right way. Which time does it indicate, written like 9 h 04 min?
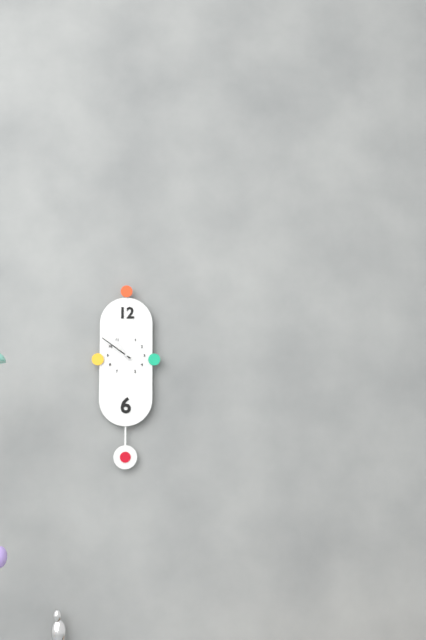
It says 10 h 51 min
